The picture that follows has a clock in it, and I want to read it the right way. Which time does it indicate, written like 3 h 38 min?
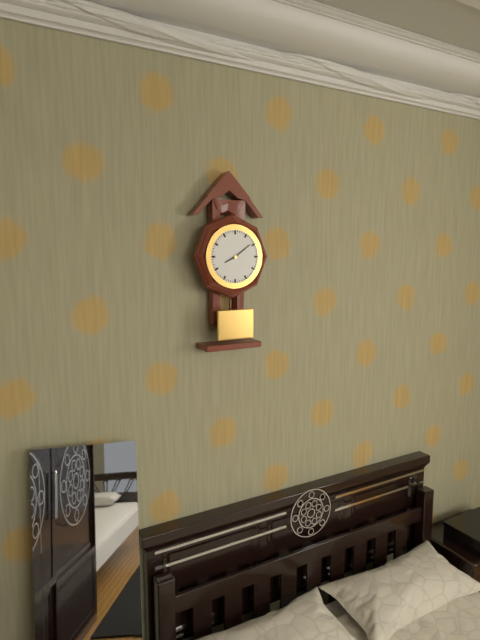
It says 8 h 09 min
